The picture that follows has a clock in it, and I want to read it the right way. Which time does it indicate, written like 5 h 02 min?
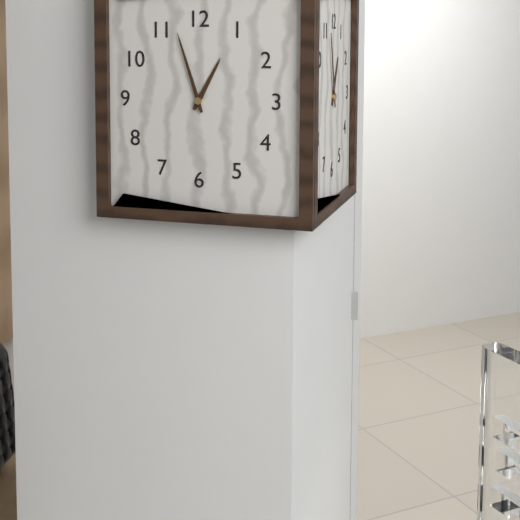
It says 12 h 57 min
